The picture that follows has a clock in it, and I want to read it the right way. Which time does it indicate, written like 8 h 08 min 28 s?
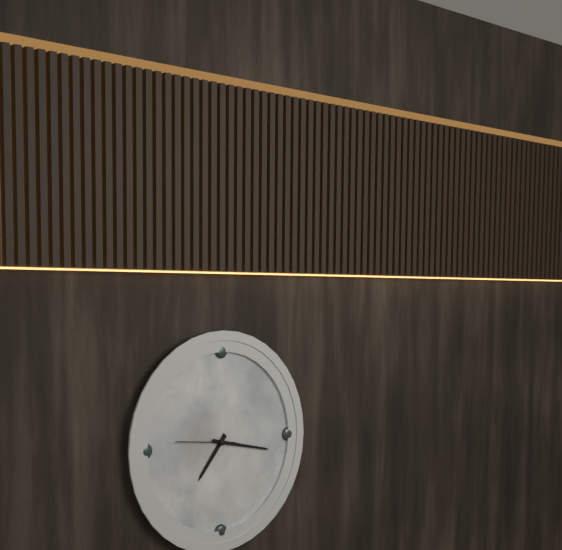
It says 7 h 17 min 46 s
